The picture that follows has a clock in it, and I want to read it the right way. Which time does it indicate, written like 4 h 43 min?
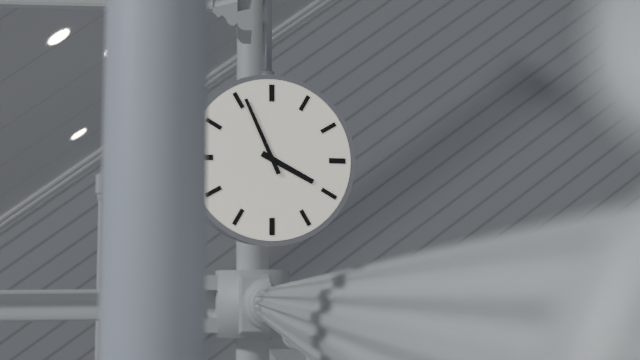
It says 3 h 56 min
